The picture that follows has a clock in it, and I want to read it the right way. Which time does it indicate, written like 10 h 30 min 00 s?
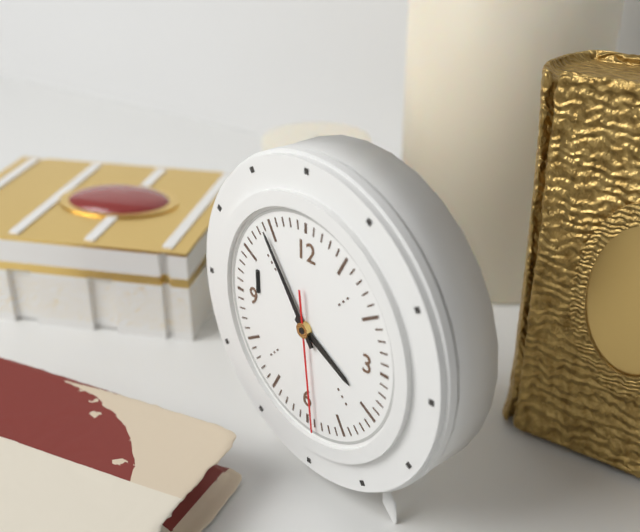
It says 3 h 54 min 29 s
